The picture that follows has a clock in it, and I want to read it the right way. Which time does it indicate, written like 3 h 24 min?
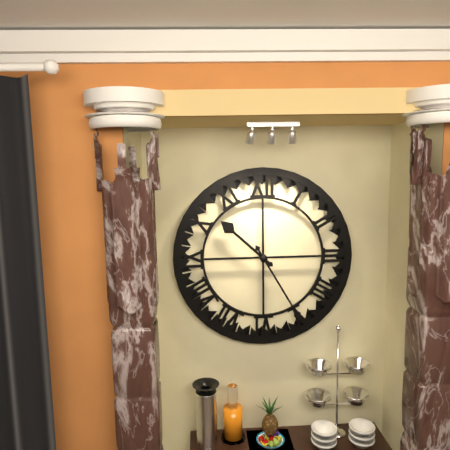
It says 10 h 25 min
